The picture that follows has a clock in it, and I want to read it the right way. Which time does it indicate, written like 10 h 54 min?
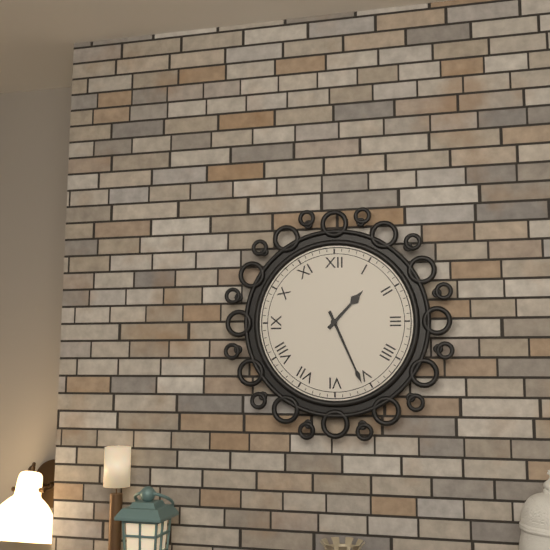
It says 1 h 26 min
